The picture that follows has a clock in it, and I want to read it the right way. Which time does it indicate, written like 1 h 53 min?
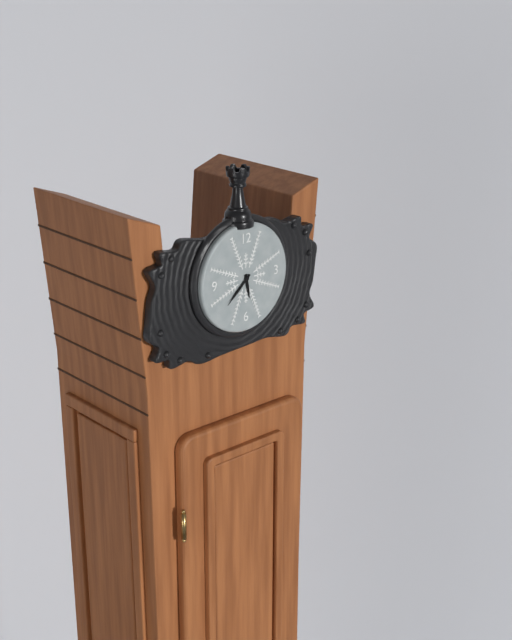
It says 5 h 38 min
